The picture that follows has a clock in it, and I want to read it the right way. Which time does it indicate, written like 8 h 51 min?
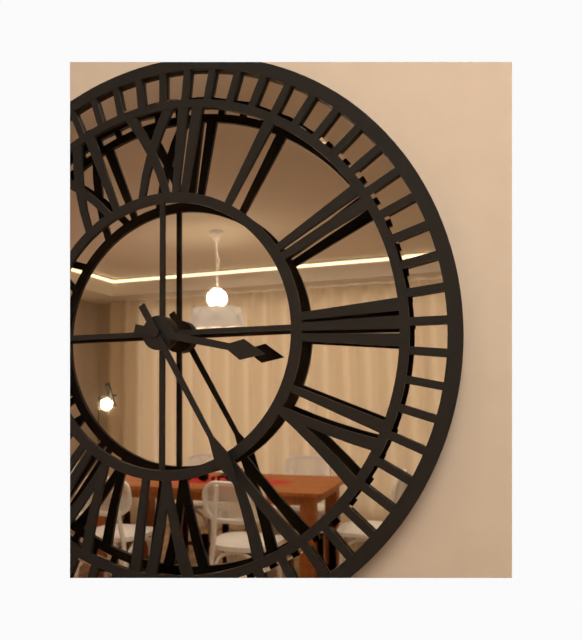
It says 3 h 25 min
